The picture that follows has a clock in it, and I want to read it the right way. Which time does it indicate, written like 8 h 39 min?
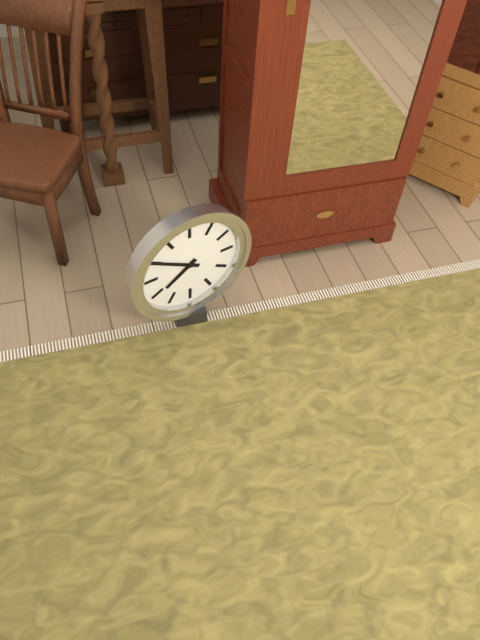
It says 7 h 50 min
